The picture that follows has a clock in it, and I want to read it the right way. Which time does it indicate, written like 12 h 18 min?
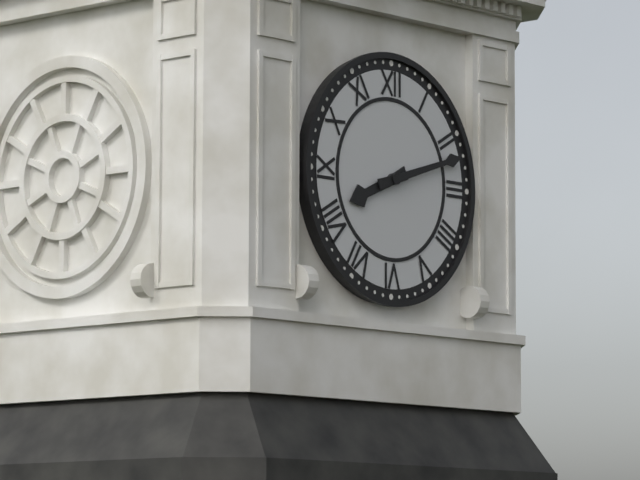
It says 8 h 12 min
